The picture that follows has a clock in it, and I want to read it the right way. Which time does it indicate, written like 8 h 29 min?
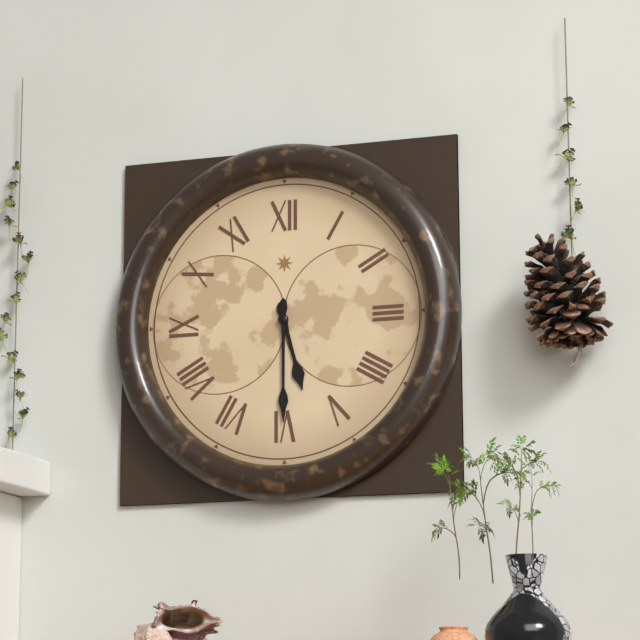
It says 5 h 30 min
